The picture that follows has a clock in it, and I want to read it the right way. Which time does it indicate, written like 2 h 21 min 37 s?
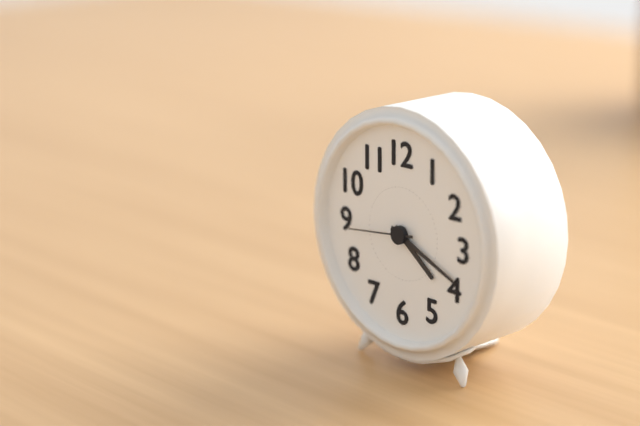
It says 4 h 19 min 44 s
